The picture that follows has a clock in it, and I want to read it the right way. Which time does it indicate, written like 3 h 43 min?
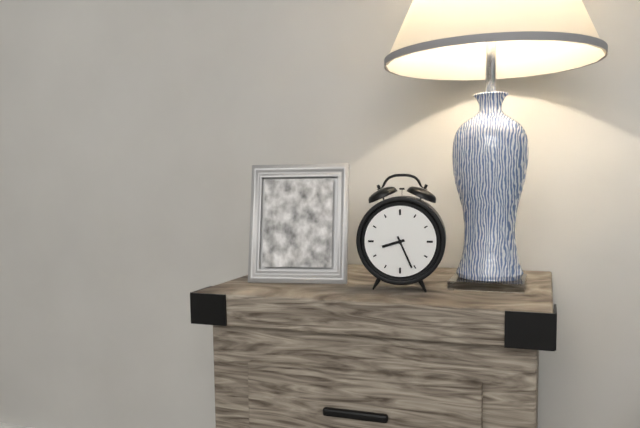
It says 8 h 26 min
